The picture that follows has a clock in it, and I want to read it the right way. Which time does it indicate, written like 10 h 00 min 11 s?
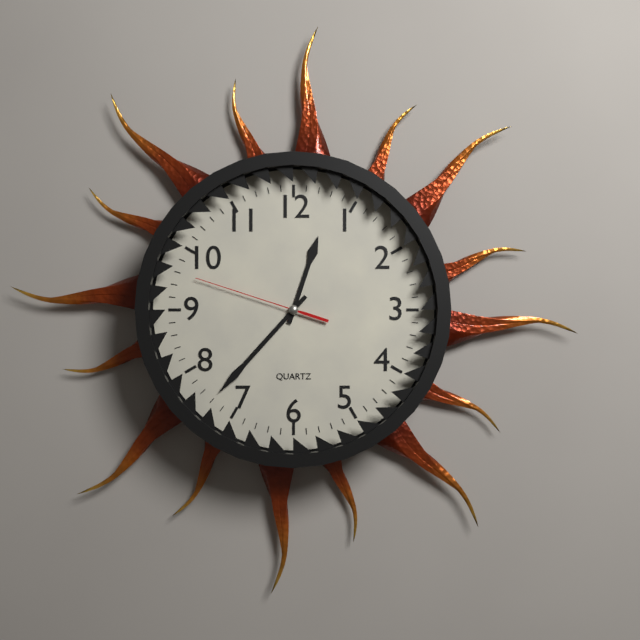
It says 12 h 37 min 48 s
